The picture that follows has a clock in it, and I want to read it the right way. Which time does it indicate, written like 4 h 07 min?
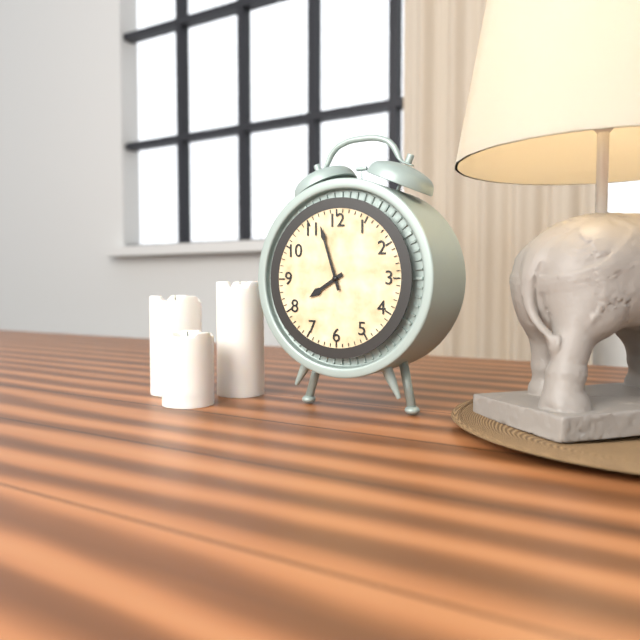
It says 7 h 57 min
